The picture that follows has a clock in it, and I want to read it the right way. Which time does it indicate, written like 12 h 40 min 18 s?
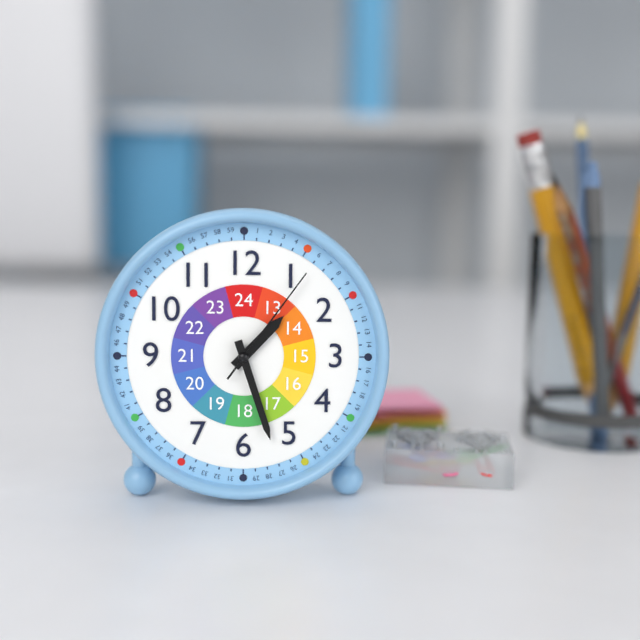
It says 1 h 27 min 06 s
